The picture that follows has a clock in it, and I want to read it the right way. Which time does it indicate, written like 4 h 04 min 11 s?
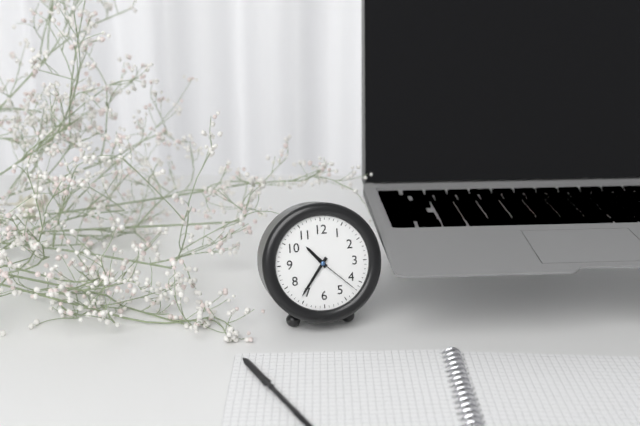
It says 10 h 36 min 22 s
